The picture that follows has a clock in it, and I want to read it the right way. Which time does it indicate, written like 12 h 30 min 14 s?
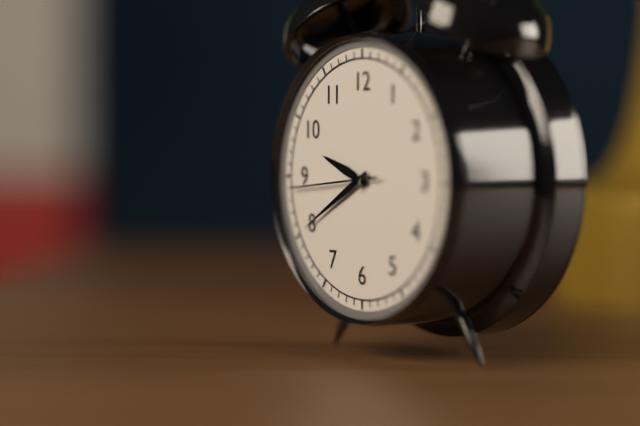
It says 9 h 40 min 44 s
